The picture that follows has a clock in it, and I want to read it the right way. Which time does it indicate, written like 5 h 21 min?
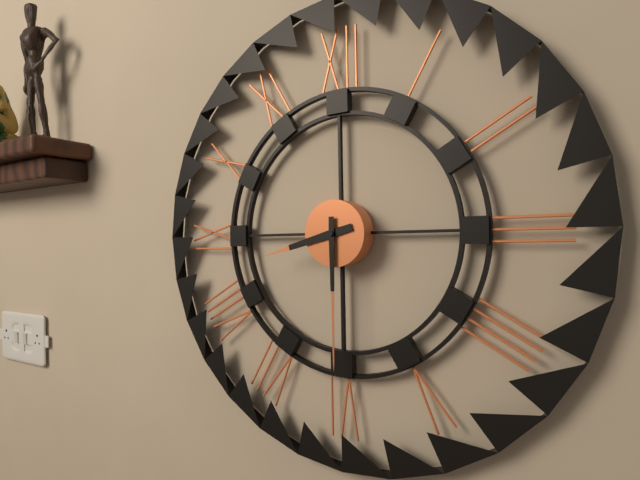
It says 8 h 30 min
